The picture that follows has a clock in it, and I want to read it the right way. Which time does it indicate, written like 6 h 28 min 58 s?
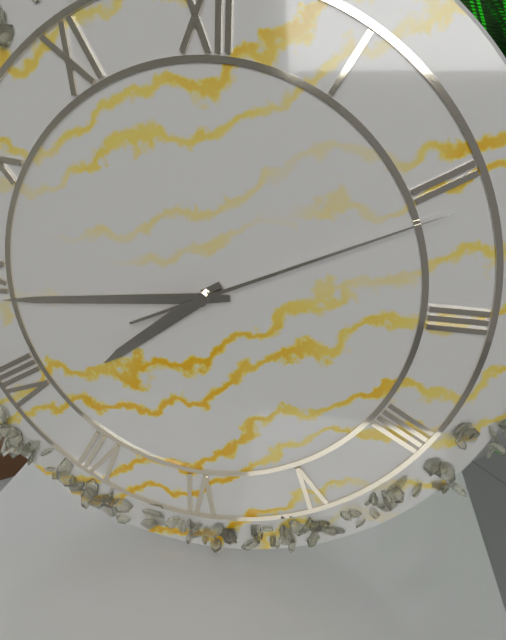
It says 7 h 44 min 11 s
